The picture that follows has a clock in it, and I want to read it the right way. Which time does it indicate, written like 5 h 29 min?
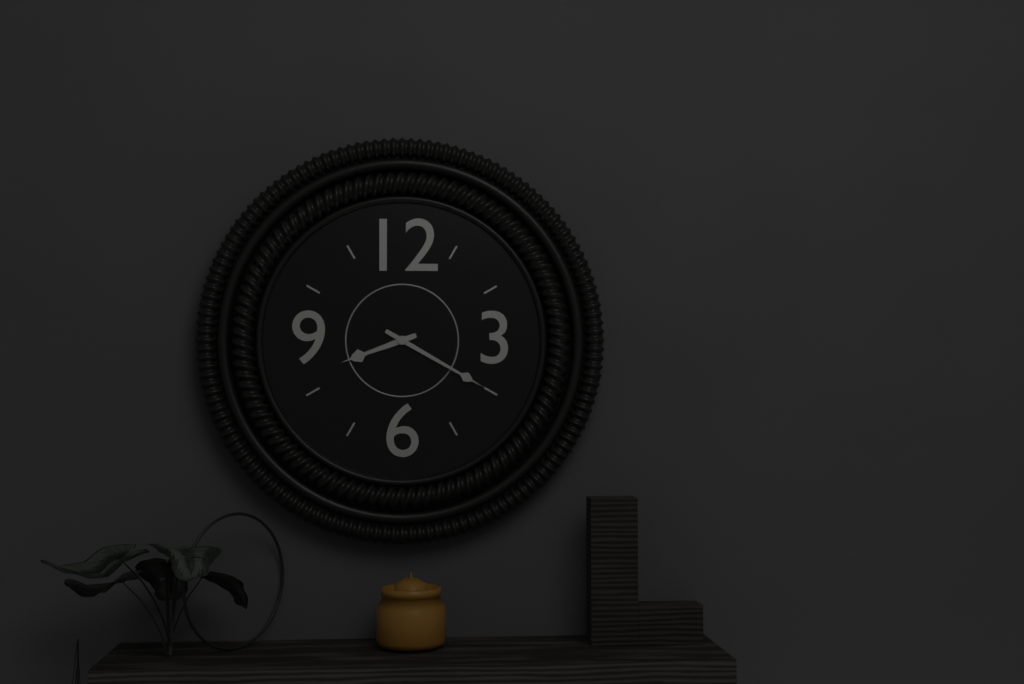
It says 8 h 20 min
